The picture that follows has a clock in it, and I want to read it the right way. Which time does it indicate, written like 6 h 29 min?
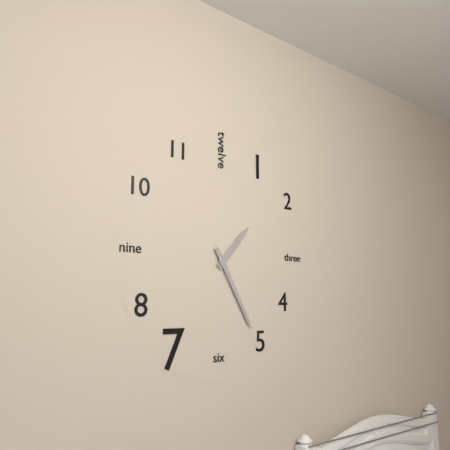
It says 1 h 25 min
